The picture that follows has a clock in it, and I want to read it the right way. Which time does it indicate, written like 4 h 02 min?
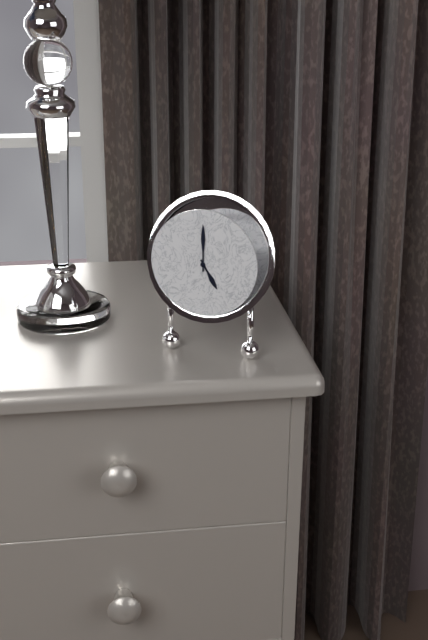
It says 5 h 00 min
